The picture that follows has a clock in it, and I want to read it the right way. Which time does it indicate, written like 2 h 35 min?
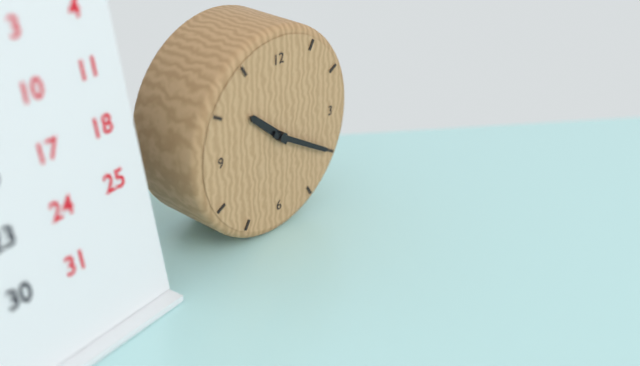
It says 10 h 20 min
